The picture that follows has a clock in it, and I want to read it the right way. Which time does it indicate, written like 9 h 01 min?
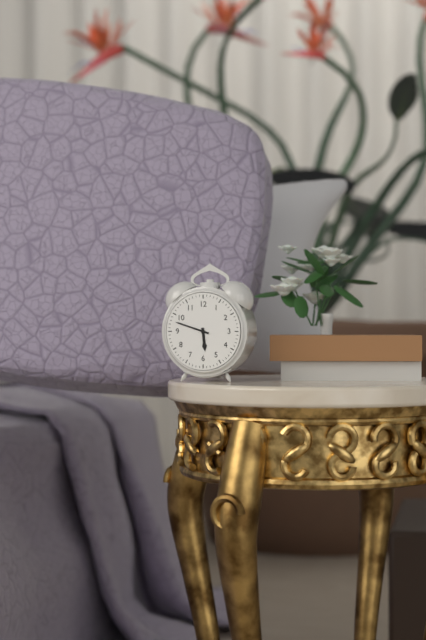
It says 5 h 48 min
